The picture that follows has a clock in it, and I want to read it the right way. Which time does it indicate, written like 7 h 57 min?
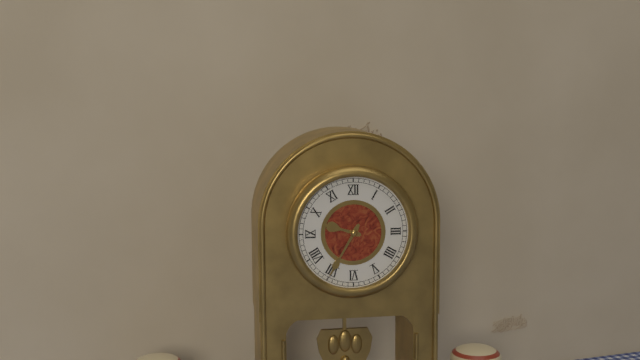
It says 9 h 35 min
